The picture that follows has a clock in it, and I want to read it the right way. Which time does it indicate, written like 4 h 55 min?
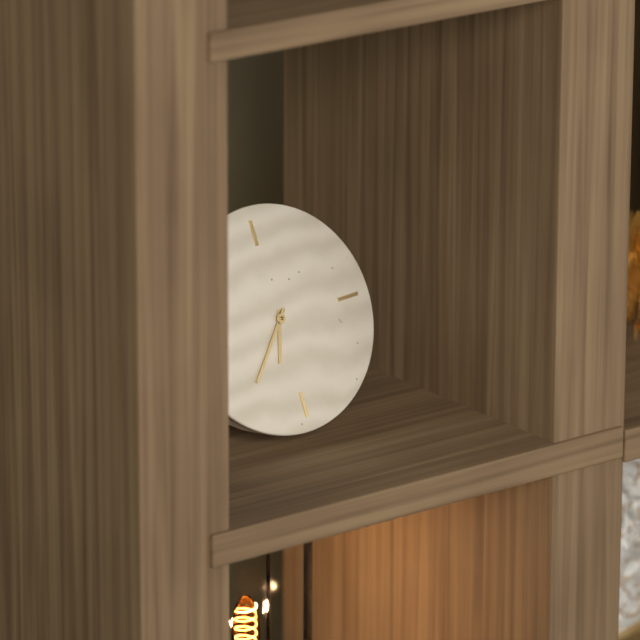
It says 6 h 37 min
